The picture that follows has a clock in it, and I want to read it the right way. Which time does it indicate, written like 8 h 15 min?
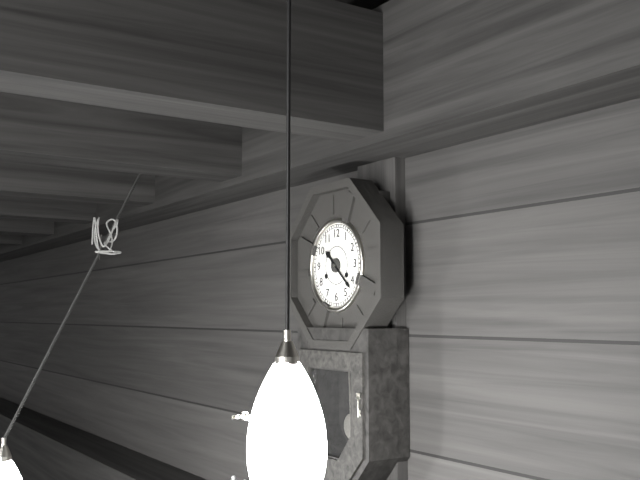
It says 10 h 22 min
